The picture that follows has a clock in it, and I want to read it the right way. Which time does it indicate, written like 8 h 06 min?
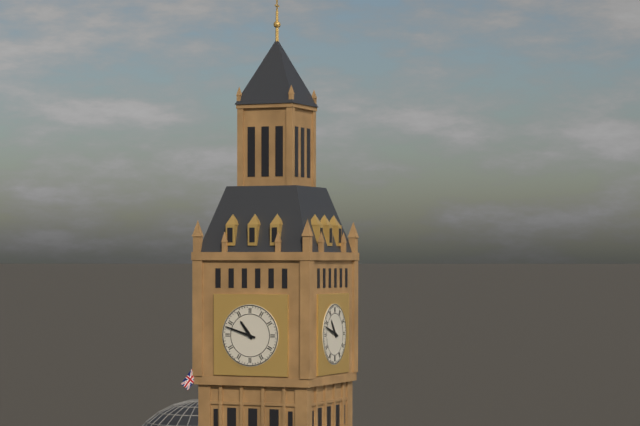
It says 10 h 48 min
